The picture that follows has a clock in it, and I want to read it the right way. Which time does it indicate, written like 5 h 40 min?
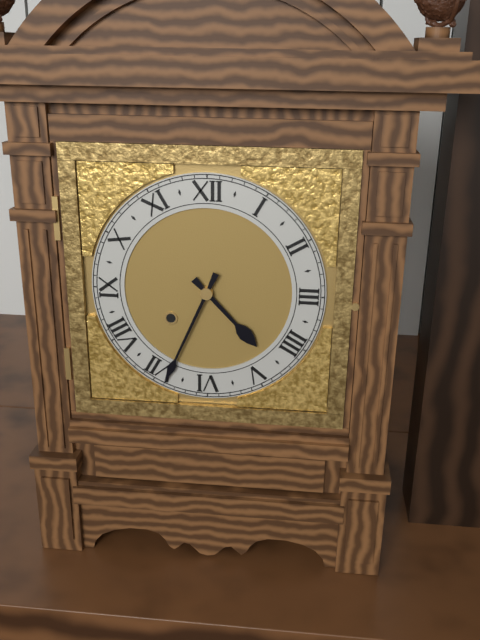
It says 4 h 34 min
